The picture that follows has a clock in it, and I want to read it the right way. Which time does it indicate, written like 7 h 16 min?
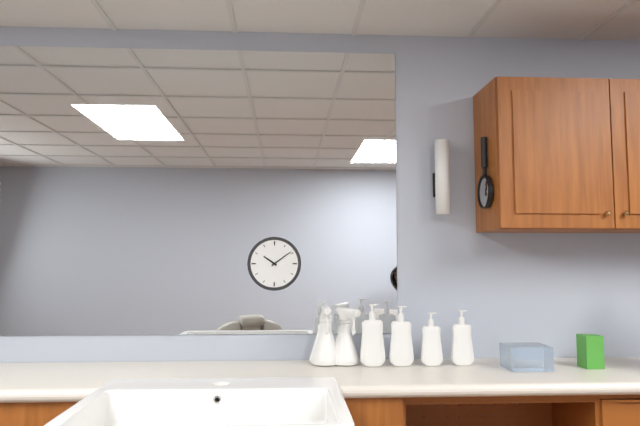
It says 10 h 09 min
